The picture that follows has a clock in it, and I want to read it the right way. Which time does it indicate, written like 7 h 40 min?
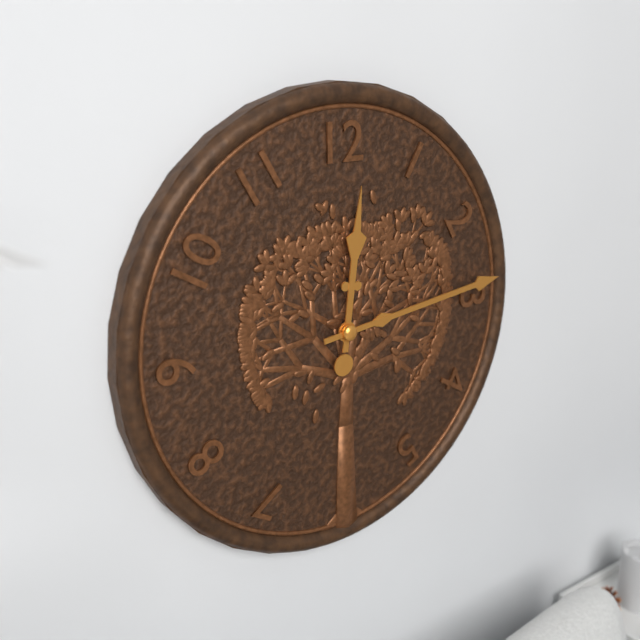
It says 12 h 14 min
